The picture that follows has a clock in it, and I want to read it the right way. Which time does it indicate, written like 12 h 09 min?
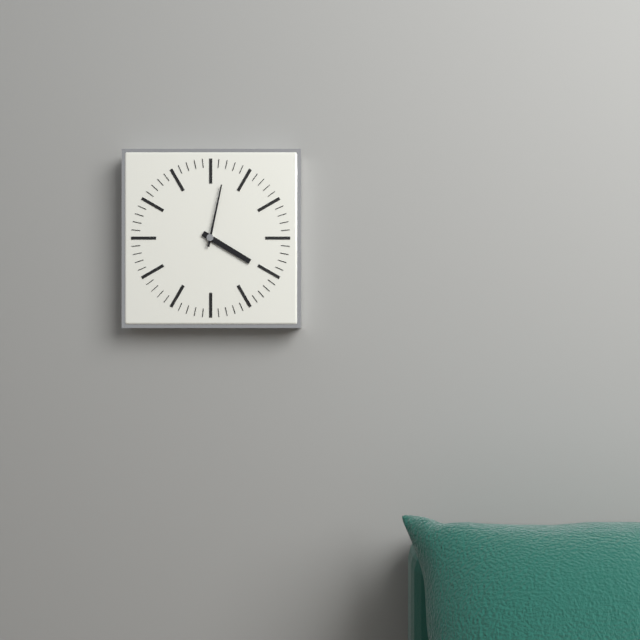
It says 4 h 02 min
